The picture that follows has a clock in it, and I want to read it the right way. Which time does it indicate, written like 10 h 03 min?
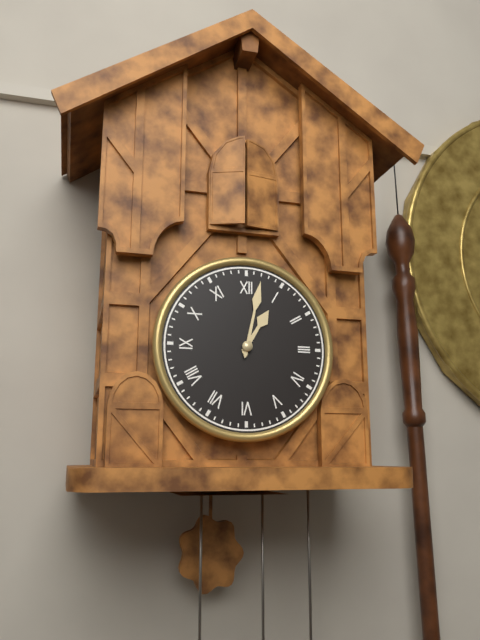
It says 1 h 02 min
